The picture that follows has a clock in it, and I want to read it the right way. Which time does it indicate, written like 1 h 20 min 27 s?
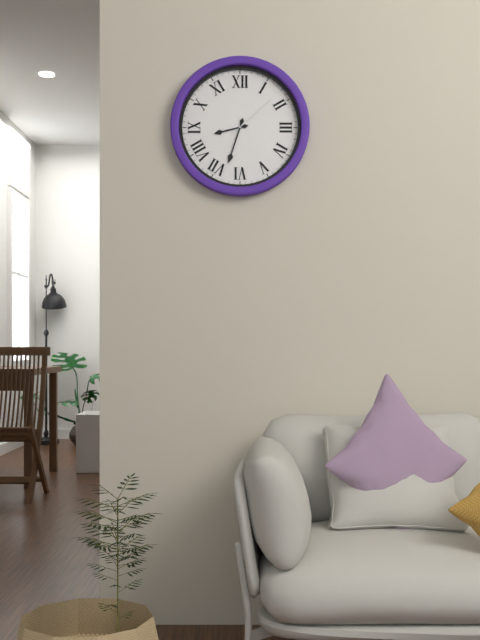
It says 8 h 33 min 08 s
